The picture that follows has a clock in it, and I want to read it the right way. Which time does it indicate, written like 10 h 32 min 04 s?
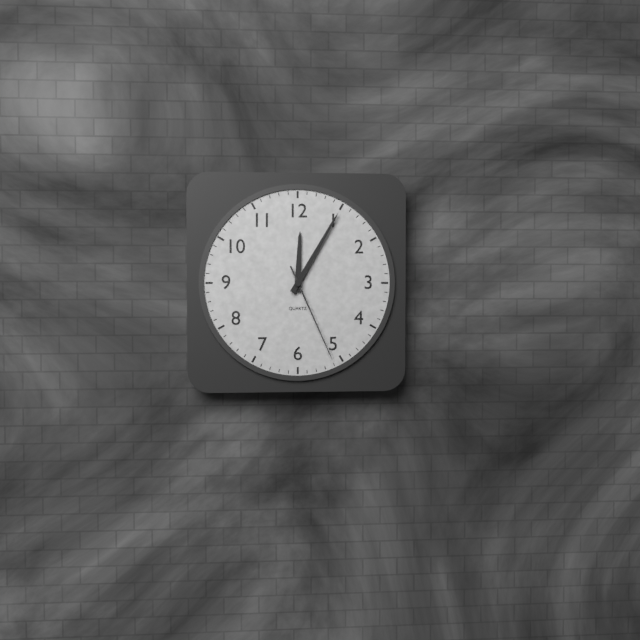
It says 12 h 05 min 26 s
